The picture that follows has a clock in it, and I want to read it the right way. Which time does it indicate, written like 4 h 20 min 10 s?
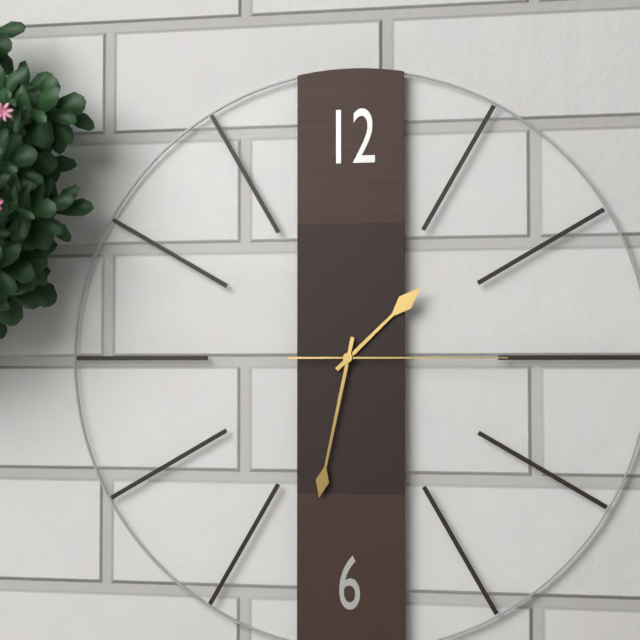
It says 1 h 32 min 15 s
